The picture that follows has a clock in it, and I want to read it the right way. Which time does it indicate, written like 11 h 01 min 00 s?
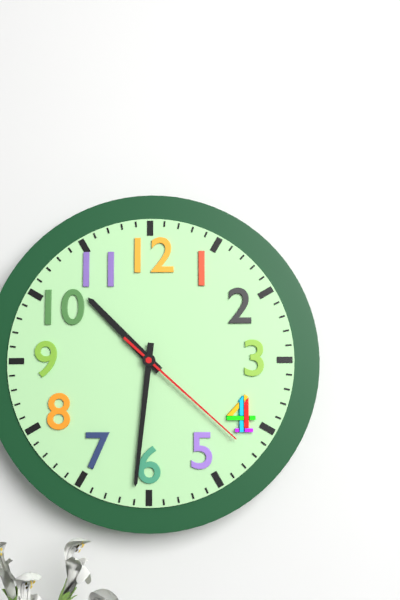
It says 10 h 31 min 22 s
